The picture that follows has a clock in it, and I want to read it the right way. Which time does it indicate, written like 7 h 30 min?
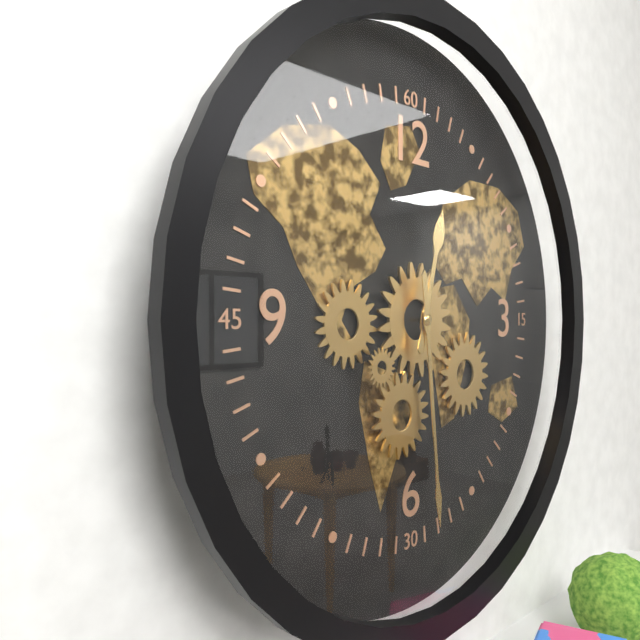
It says 12 h 29 min
